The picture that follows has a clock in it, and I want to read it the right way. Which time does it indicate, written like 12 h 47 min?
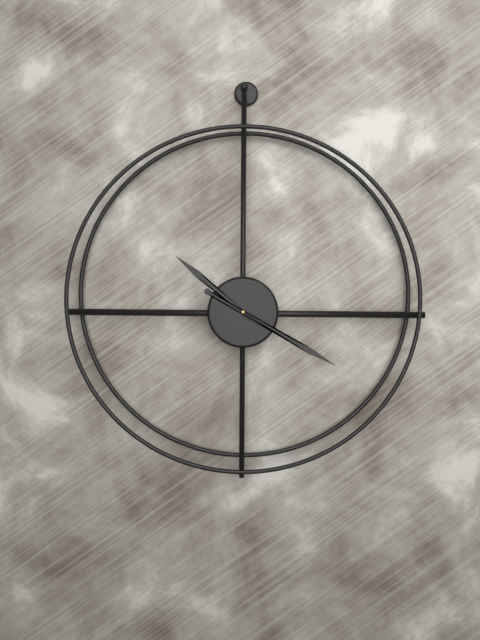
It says 10 h 20 min
